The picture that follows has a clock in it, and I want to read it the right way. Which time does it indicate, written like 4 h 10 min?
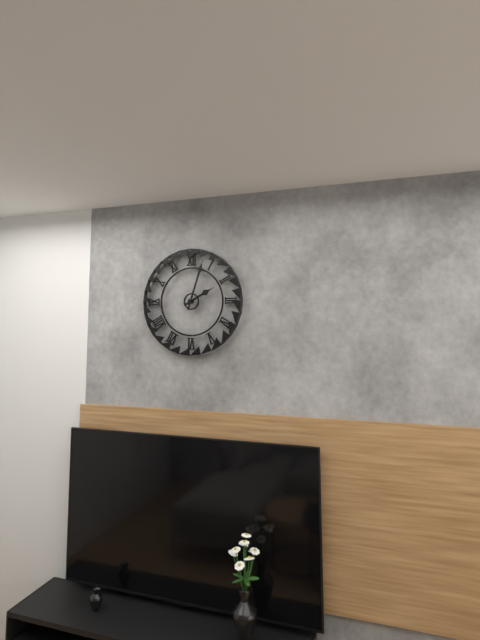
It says 2 h 03 min
